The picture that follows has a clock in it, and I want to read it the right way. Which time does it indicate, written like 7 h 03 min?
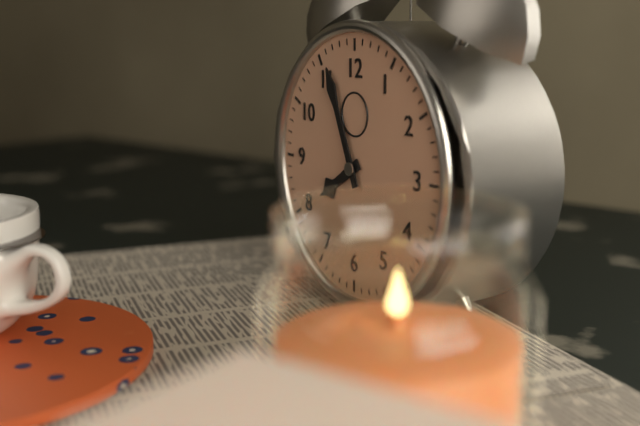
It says 7 h 56 min
